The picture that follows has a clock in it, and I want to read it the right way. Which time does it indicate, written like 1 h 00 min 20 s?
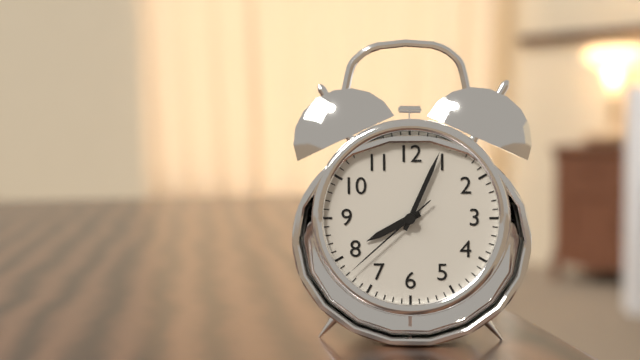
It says 8 h 04 min 38 s
